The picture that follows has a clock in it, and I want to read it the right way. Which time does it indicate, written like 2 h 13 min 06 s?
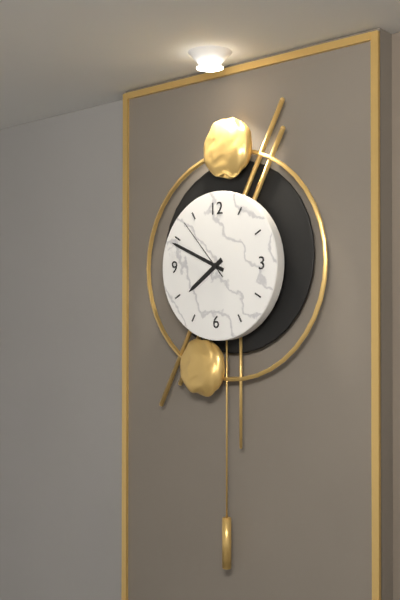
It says 7 h 49 min 53 s
